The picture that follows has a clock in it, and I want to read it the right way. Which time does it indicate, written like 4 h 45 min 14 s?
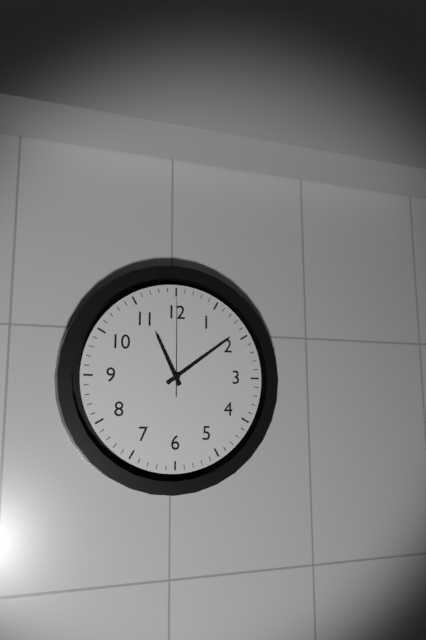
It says 11 h 09 min 00 s
